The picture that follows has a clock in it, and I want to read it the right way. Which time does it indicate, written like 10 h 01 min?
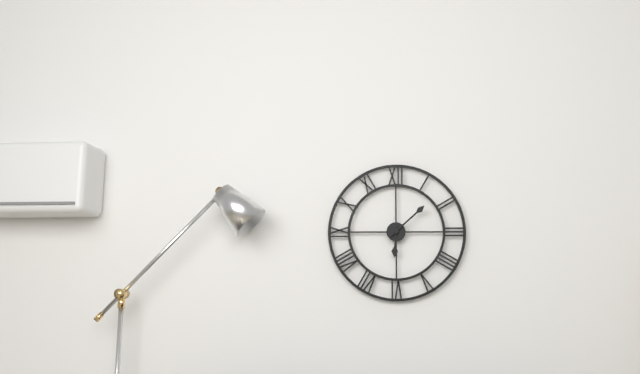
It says 6 h 08 min
